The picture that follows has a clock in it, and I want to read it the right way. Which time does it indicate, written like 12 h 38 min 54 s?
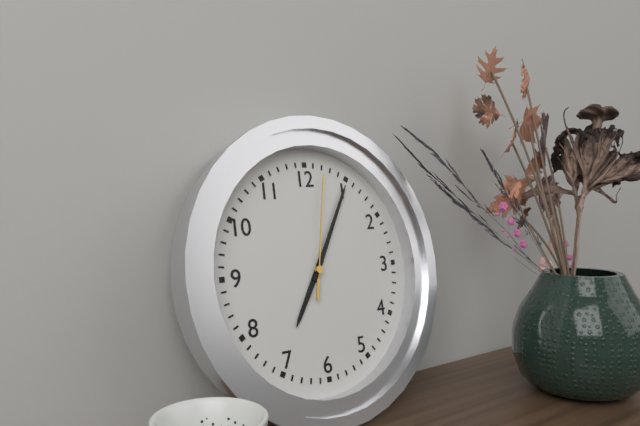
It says 7 h 05 min 02 s
